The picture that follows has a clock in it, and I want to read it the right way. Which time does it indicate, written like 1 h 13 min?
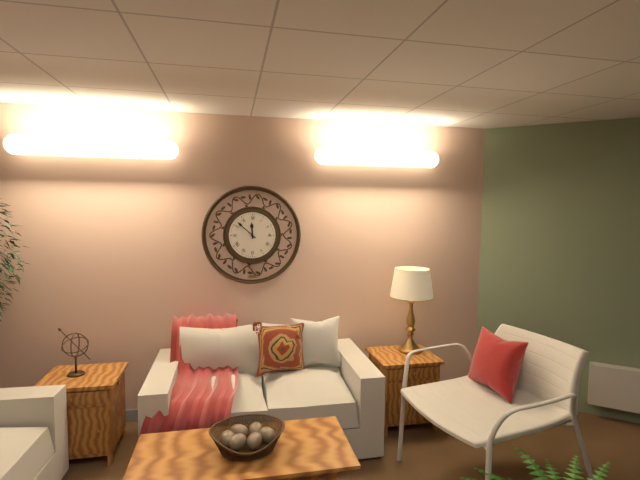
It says 11 h 52 min
